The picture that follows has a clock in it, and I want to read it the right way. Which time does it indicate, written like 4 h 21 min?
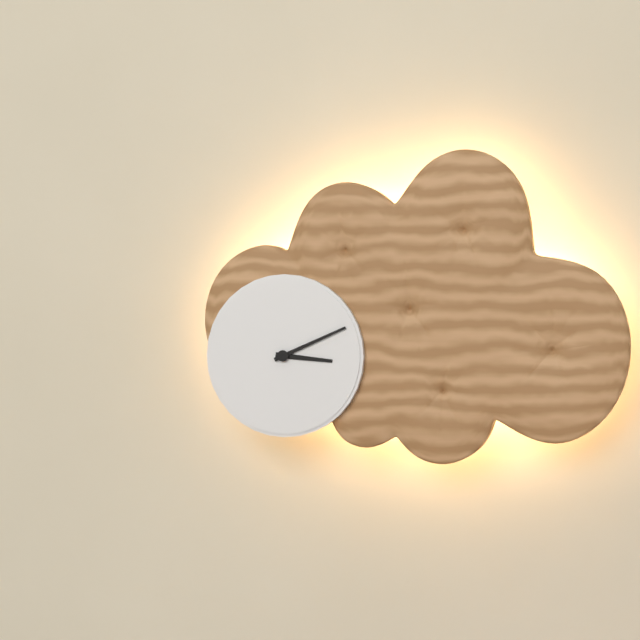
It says 3 h 11 min
